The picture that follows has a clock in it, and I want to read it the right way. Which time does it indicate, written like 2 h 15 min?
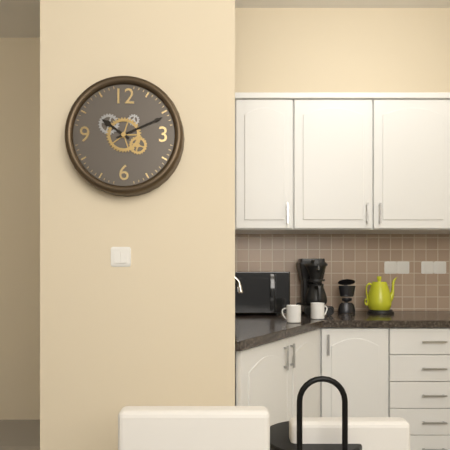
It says 10 h 11 min
